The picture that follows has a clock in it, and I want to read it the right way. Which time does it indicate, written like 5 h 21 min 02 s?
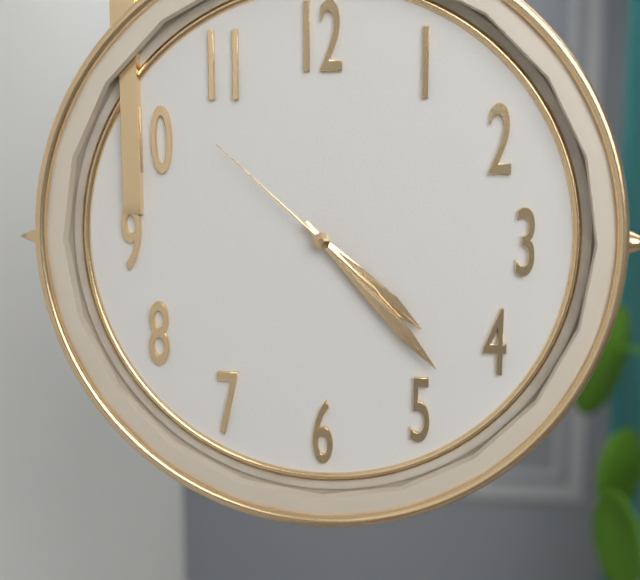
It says 4 h 23 min 52 s
